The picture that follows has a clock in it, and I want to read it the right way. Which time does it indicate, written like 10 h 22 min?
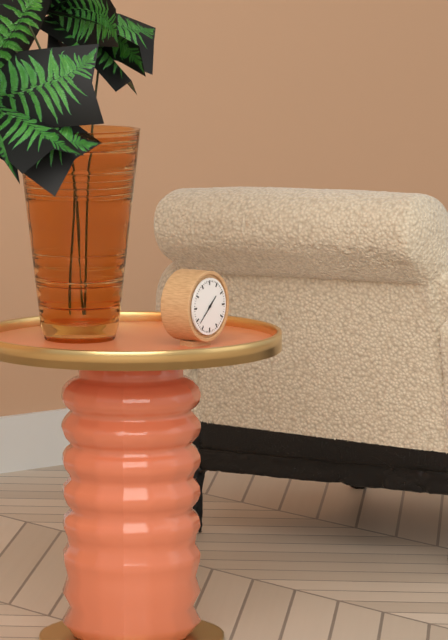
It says 1 h 38 min
